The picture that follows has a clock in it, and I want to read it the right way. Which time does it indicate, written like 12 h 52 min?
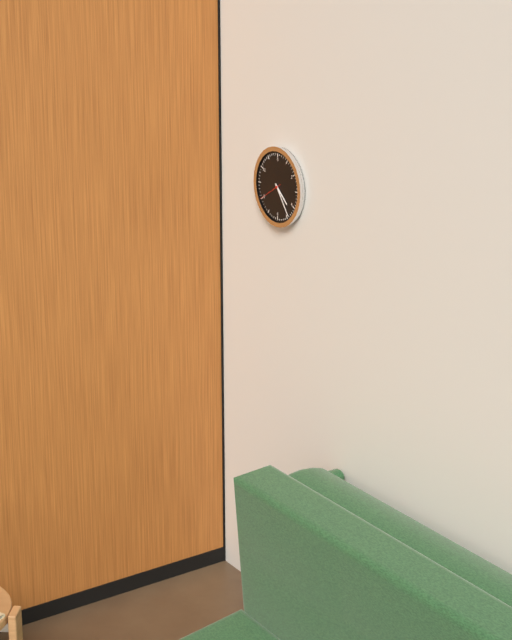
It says 4 h 24 min
